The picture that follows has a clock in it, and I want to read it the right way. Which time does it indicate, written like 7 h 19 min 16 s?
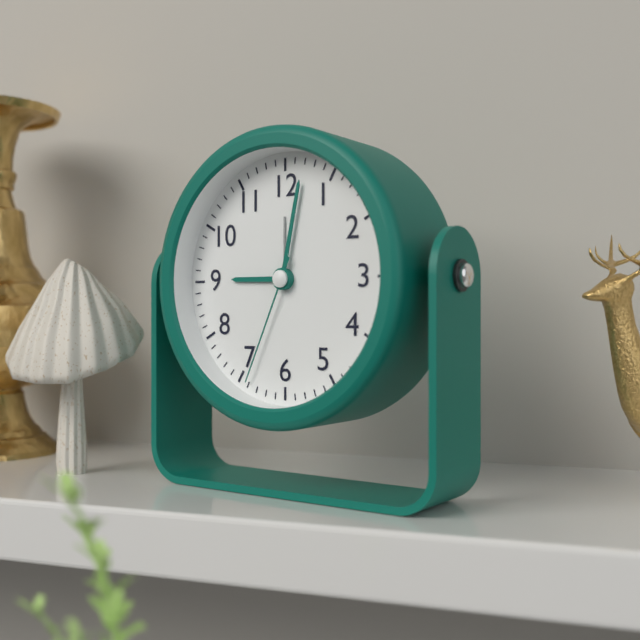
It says 9 h 02 min 34 s
